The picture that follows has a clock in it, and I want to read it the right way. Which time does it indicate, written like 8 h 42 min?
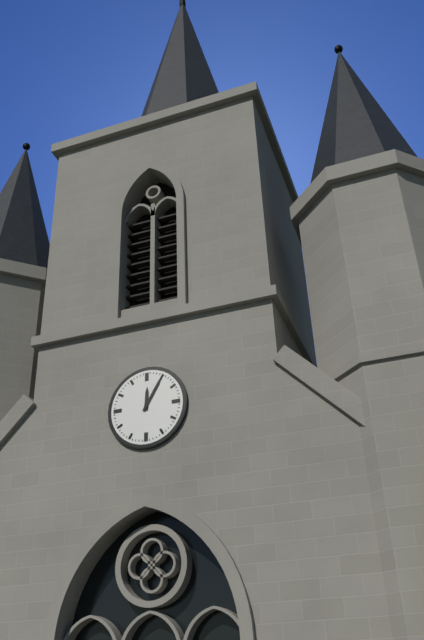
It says 12 h 05 min
